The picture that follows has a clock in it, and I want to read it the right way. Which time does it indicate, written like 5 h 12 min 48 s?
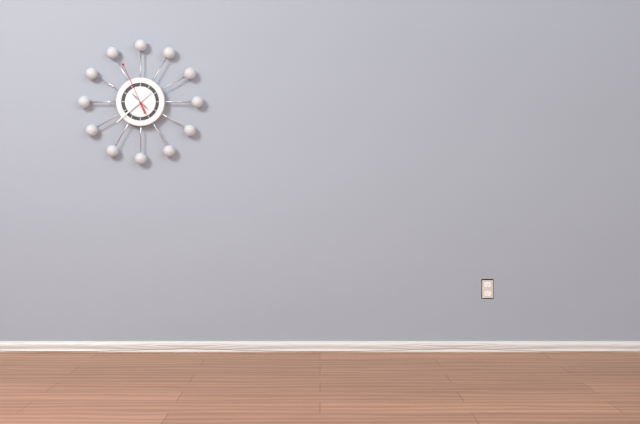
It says 1 h 38 min 56 s
